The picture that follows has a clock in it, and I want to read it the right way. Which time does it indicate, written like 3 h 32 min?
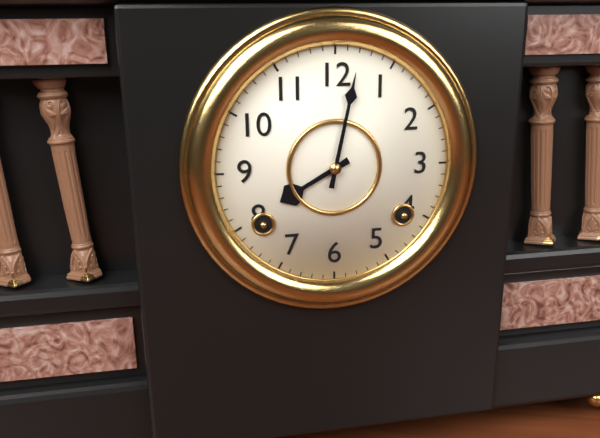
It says 8 h 02 min
